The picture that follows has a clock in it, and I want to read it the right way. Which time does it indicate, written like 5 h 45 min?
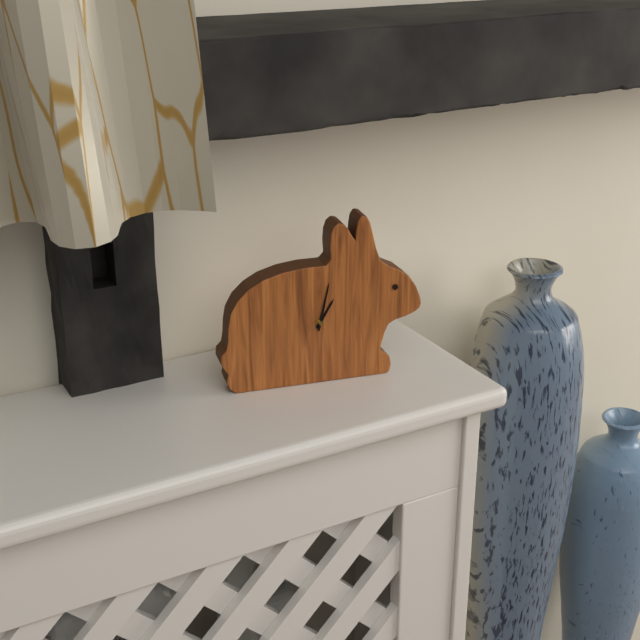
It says 1 h 02 min
